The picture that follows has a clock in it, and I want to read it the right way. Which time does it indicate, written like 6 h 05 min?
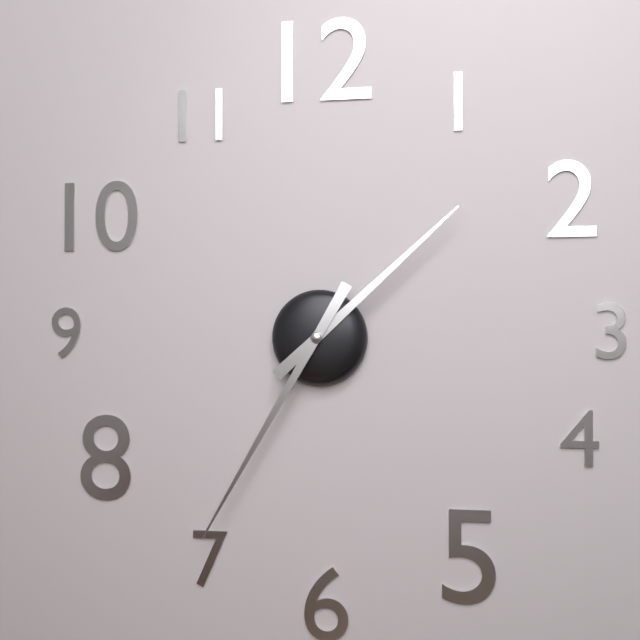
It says 1 h 35 min
